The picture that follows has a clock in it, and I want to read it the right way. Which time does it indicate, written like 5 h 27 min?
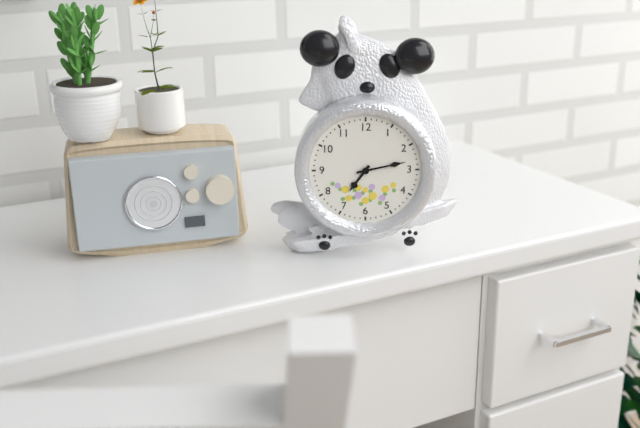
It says 7 h 13 min
